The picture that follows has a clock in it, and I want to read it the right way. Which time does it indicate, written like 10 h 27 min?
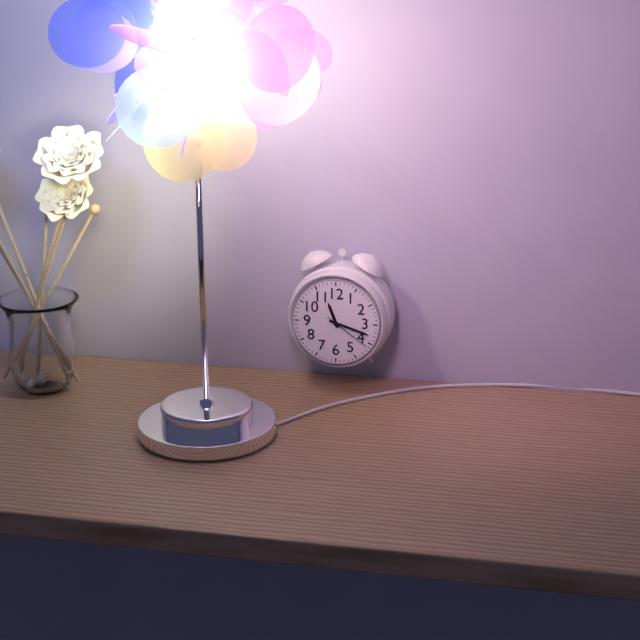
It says 11 h 18 min
